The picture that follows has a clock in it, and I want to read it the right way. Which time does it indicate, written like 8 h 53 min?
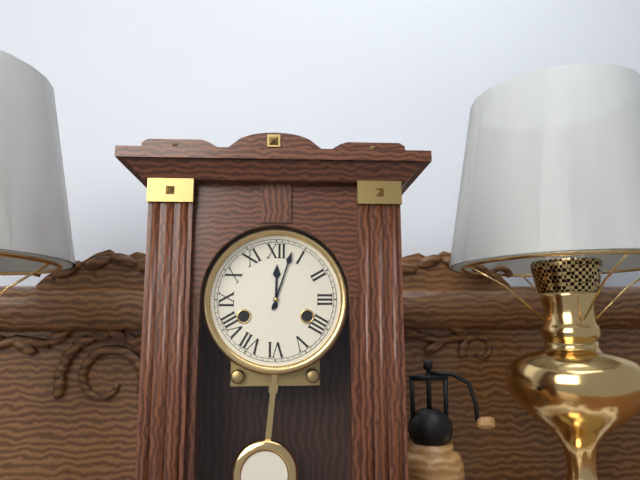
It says 12 h 03 min
